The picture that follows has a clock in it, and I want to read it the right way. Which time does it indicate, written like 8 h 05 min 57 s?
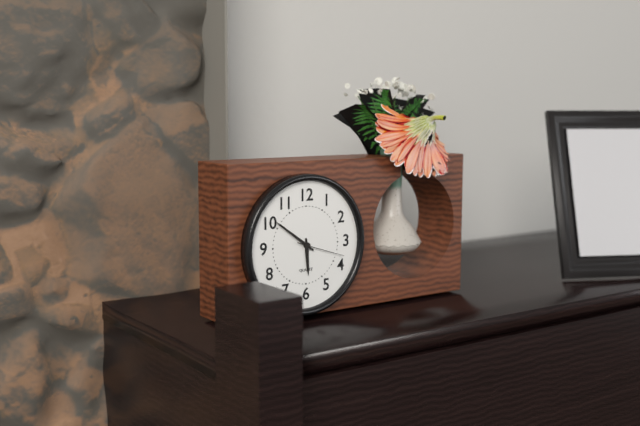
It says 5 h 51 min 18 s
